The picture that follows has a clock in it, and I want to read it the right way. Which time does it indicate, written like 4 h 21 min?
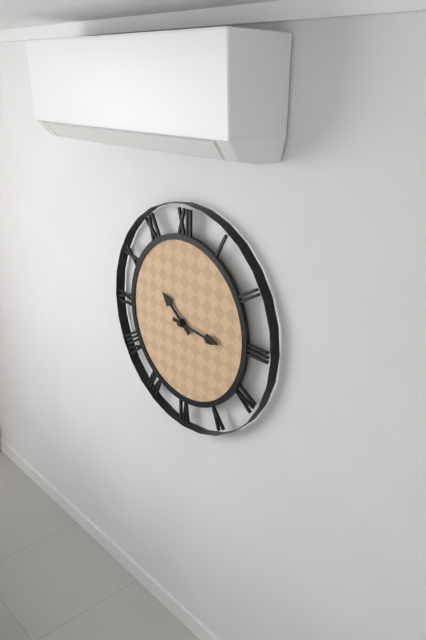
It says 10 h 16 min
